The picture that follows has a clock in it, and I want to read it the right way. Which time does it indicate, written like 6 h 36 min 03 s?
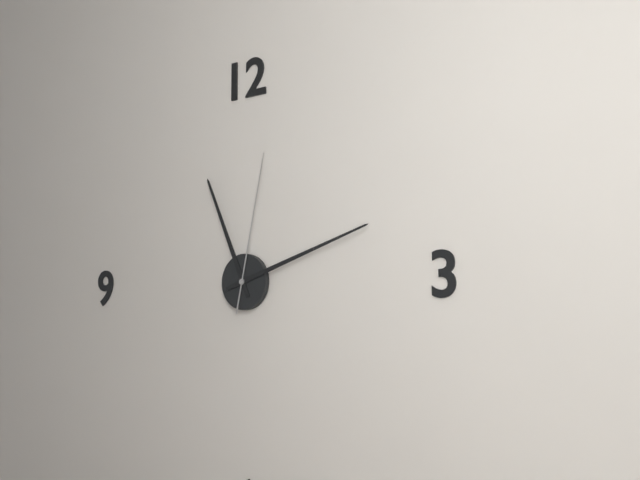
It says 11 h 12 min 02 s
